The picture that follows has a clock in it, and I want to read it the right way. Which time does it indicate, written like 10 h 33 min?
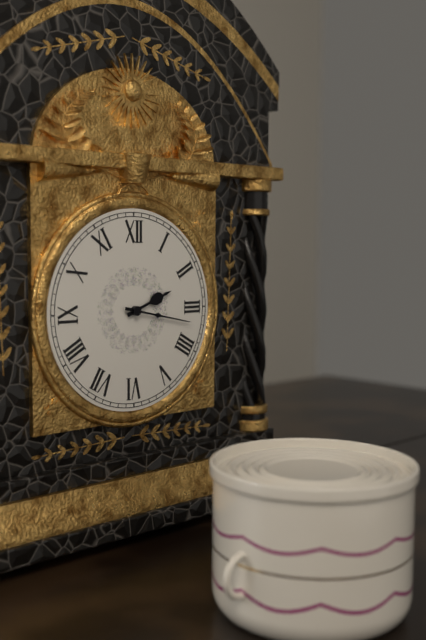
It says 2 h 17 min
